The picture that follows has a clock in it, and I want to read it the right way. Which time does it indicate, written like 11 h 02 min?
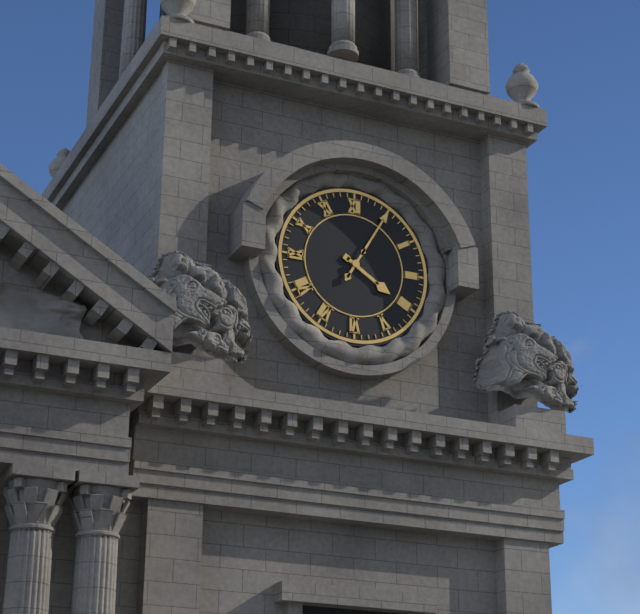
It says 4 h 05 min
